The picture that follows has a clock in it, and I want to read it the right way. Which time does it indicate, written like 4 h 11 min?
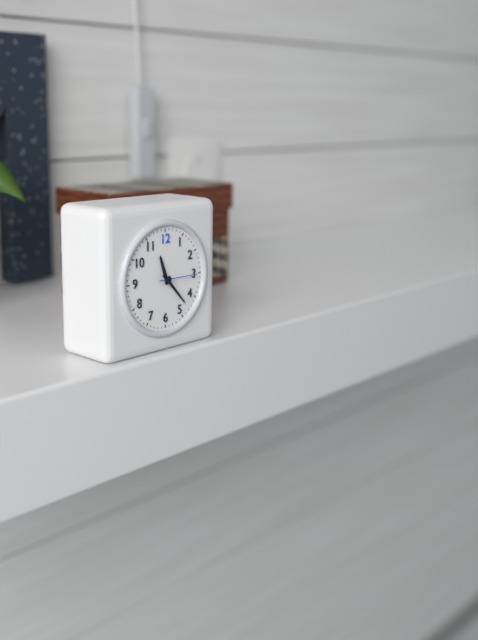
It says 11 h 23 min
